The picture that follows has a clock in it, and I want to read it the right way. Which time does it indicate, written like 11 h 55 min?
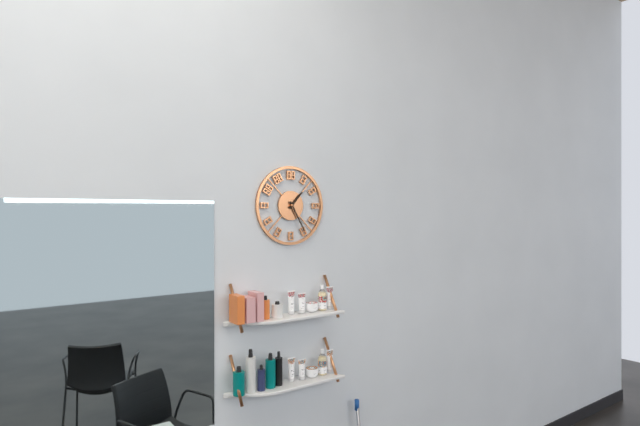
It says 1 h 25 min
